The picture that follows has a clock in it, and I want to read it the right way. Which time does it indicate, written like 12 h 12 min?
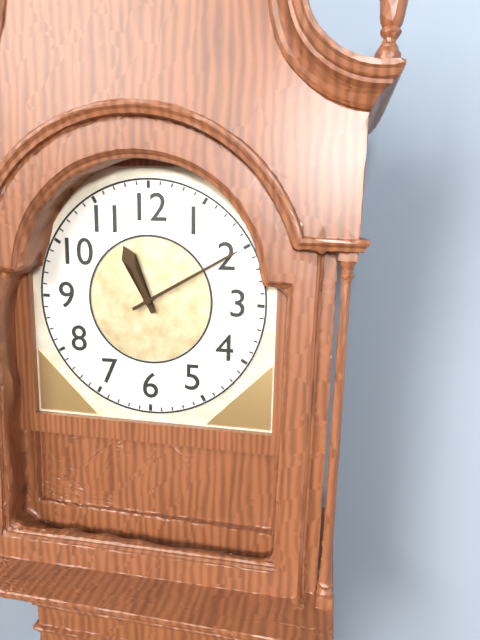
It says 11 h 10 min
